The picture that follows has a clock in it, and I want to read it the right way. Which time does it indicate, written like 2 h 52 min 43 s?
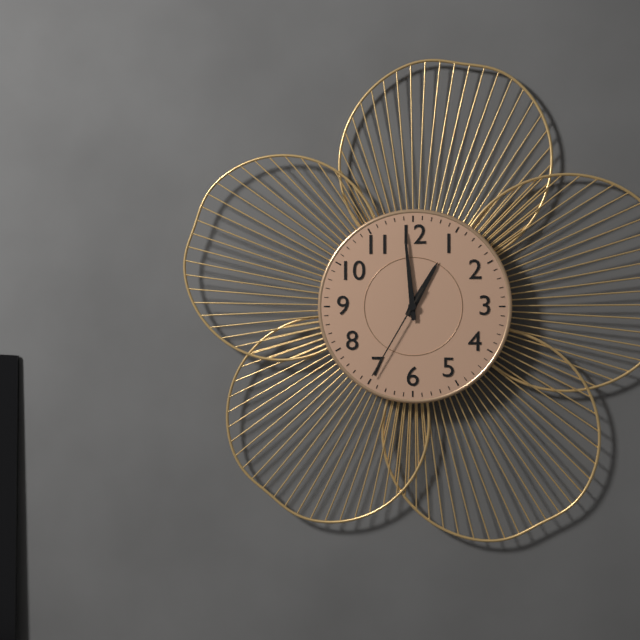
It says 12 h 59 min 35 s
